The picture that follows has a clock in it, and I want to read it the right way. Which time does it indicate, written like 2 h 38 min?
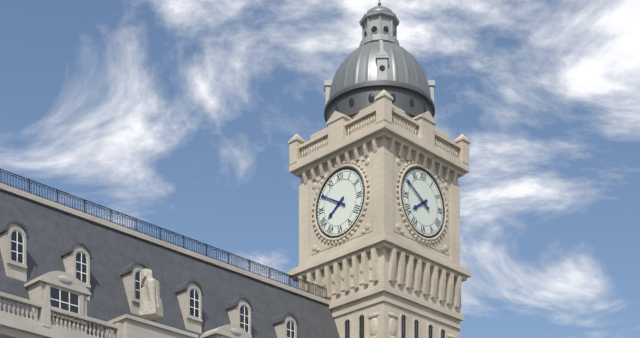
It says 7 h 50 min
